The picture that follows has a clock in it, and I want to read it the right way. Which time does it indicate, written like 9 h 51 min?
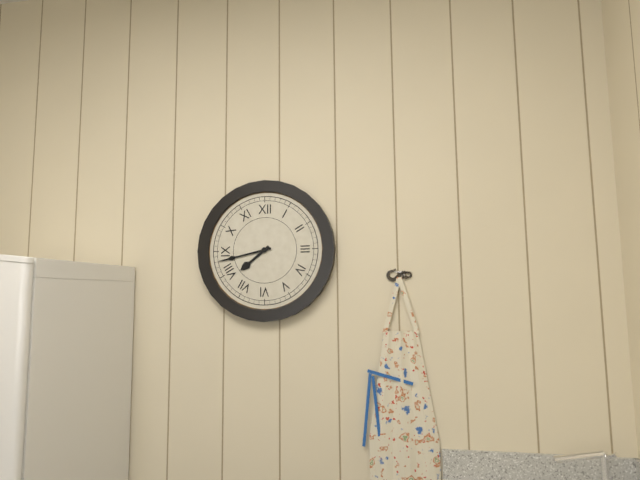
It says 7 h 43 min
